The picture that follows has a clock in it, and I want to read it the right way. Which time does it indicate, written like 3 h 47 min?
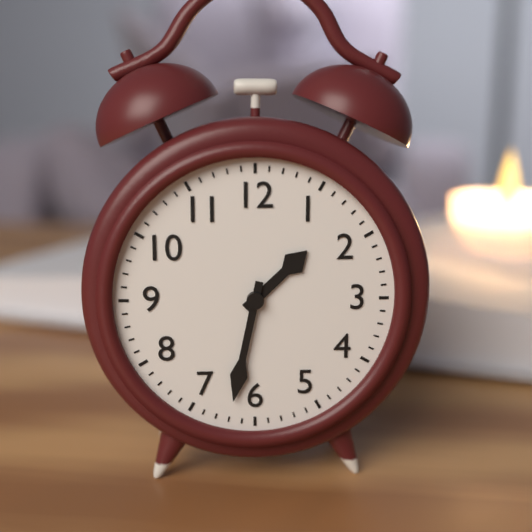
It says 1 h 32 min
